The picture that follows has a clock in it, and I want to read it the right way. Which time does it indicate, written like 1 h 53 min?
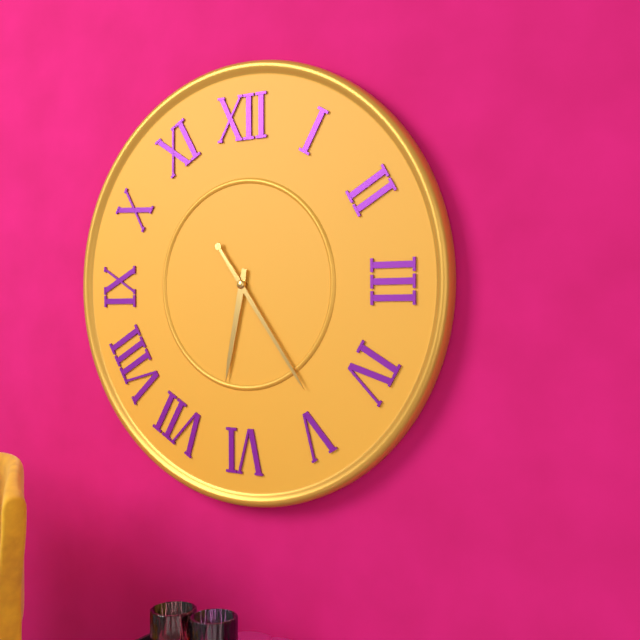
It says 6 h 24 min
